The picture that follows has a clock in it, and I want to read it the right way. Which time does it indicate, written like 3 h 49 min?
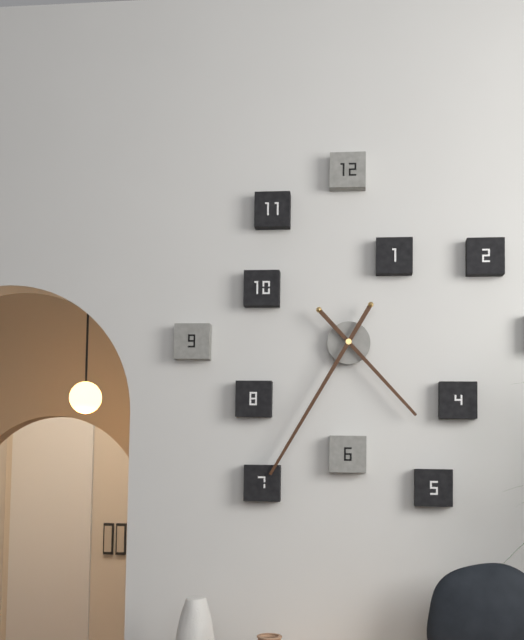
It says 4 h 35 min
